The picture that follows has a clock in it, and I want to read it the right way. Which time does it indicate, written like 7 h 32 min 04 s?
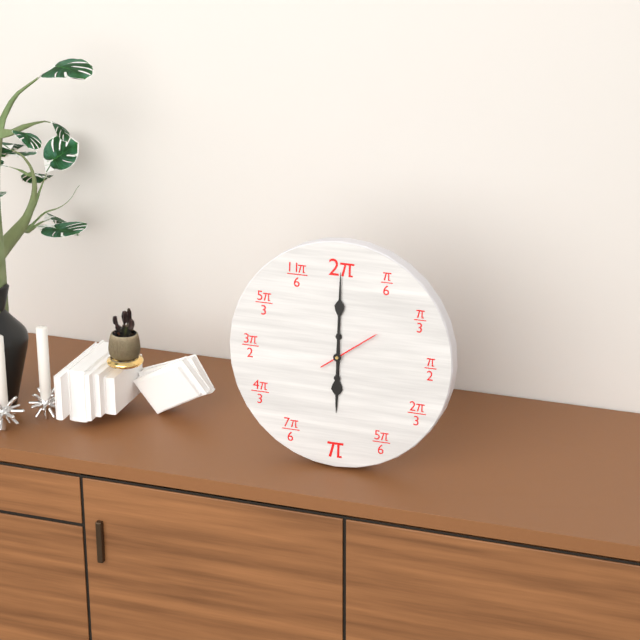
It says 6 h 00 min 09 s
